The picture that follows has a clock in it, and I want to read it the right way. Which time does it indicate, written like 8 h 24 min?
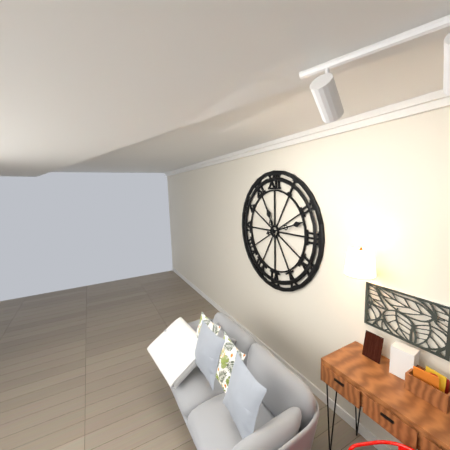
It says 11 h 12 min
